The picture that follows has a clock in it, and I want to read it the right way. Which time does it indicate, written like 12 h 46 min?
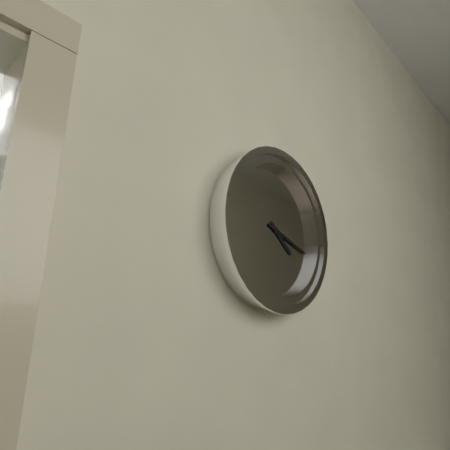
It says 4 h 18 min
